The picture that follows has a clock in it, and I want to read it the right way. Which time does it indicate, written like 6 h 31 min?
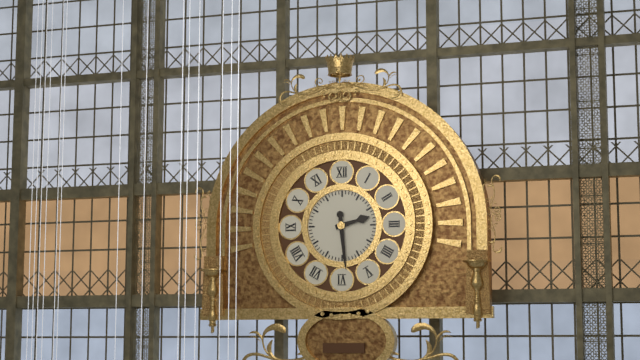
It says 2 h 29 min
